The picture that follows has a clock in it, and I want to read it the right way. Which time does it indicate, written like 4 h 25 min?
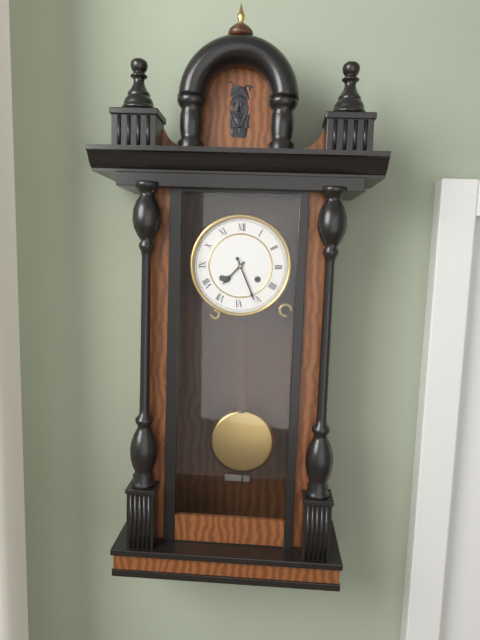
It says 7 h 26 min
